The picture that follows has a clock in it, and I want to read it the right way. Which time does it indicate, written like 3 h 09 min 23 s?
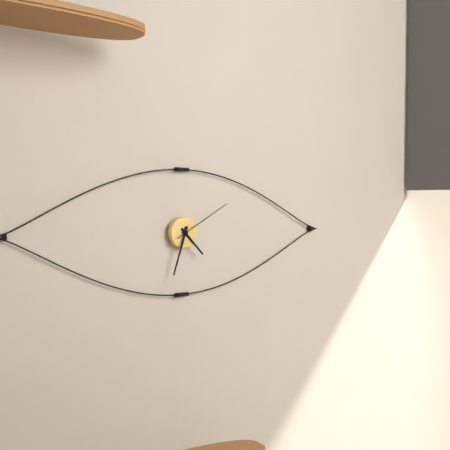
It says 4 h 33 min 10 s
